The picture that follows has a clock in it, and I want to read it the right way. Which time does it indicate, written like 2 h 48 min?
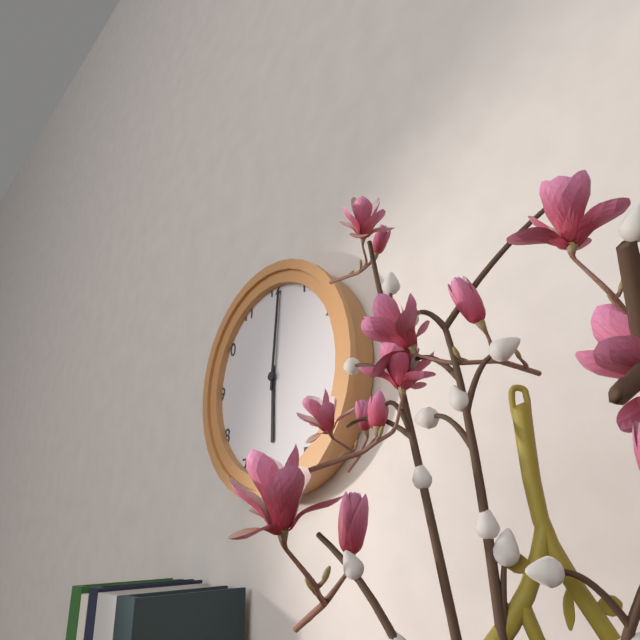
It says 6 h 01 min
